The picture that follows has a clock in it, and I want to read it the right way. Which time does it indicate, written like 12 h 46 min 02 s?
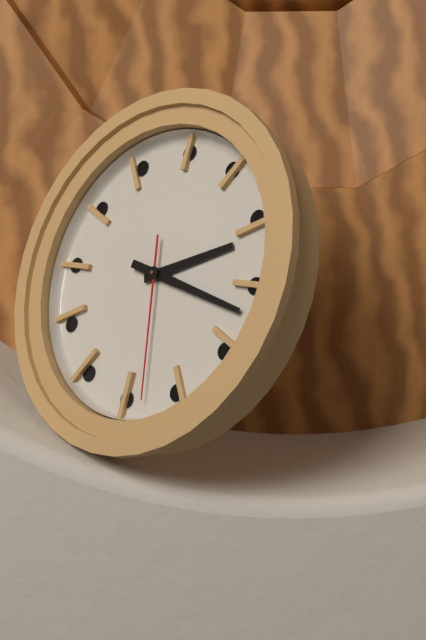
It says 2 h 17 min 28 s
